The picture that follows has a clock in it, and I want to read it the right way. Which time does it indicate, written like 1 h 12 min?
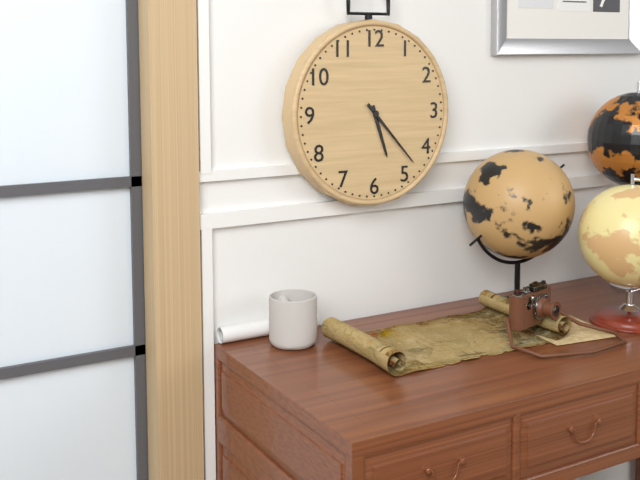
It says 5 h 23 min
